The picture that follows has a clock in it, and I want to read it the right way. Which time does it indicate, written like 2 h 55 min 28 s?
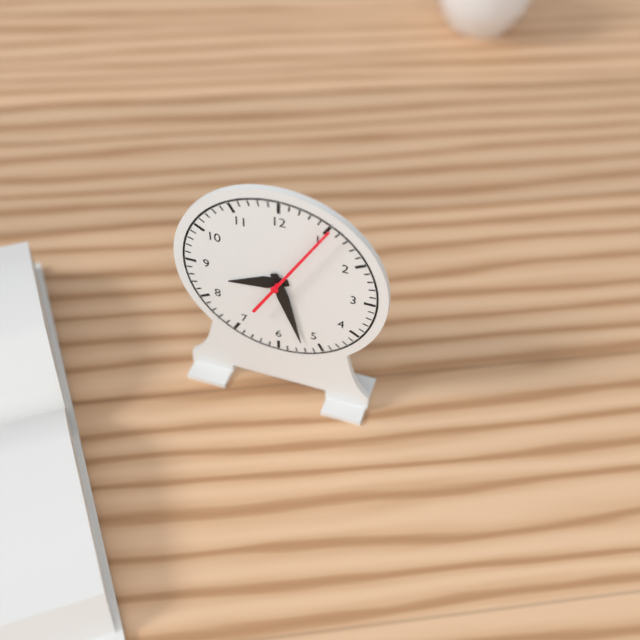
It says 8 h 27 min 05 s
